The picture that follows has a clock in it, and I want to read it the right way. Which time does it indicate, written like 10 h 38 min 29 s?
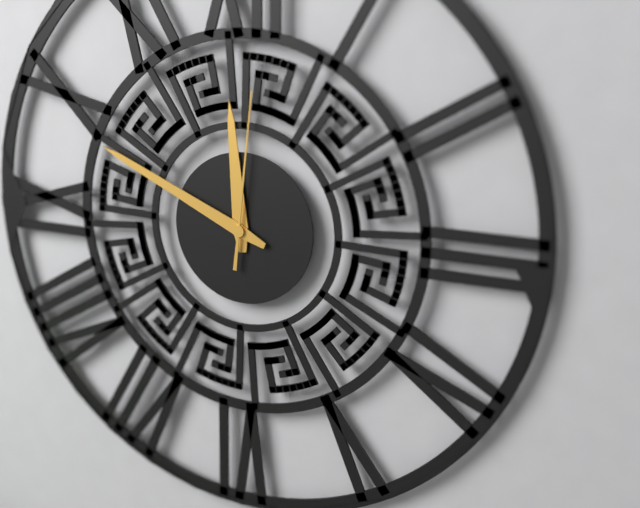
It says 11 h 49 min 01 s
